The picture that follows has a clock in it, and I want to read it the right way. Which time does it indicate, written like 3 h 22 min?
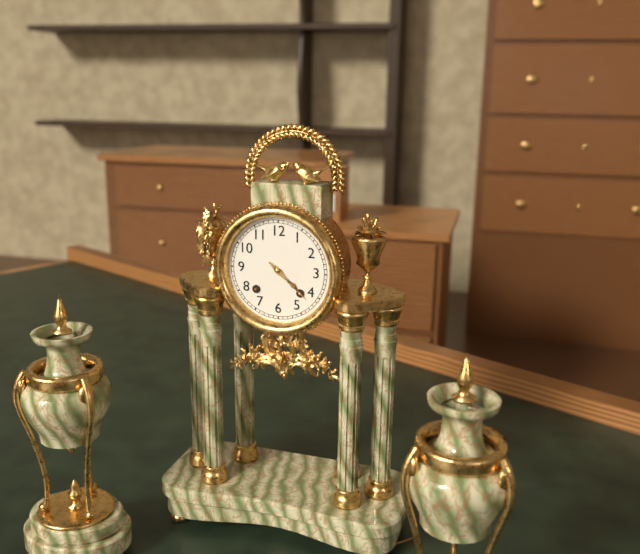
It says 4 h 22 min
